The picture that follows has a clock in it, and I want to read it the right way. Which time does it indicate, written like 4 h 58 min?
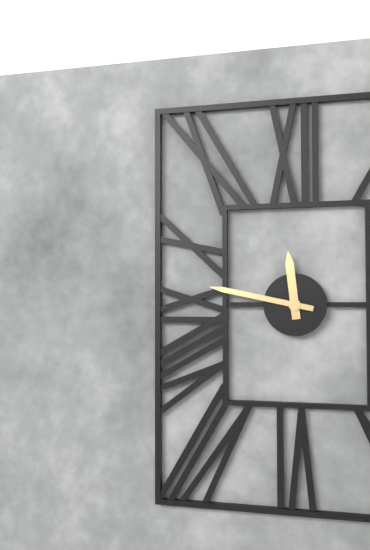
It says 11 h 47 min
